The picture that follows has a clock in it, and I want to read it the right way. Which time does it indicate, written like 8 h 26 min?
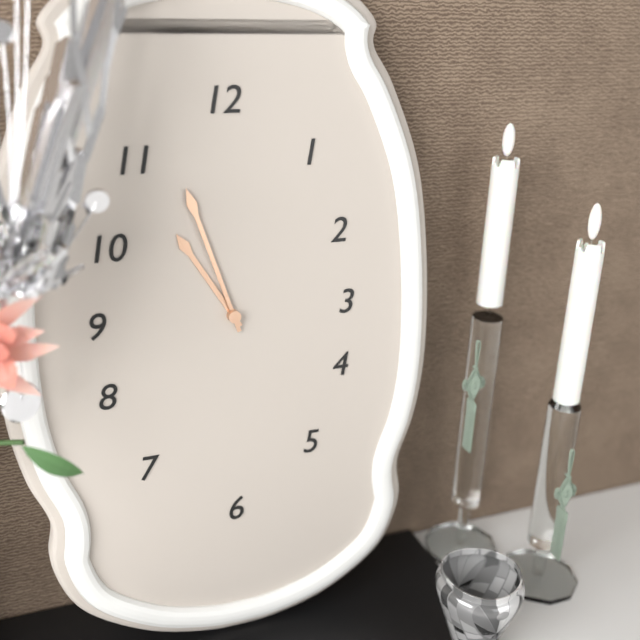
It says 10 h 57 min
